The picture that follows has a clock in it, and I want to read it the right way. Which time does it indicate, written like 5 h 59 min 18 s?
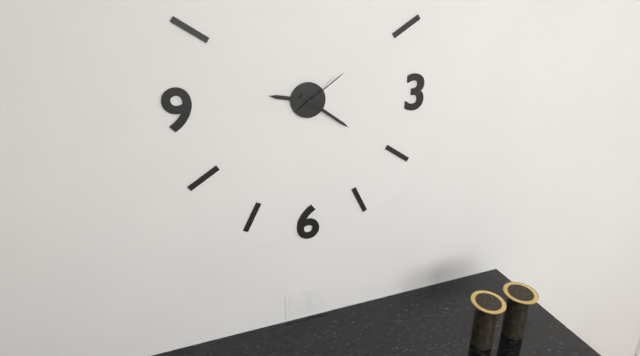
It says 9 h 21 min 09 s
